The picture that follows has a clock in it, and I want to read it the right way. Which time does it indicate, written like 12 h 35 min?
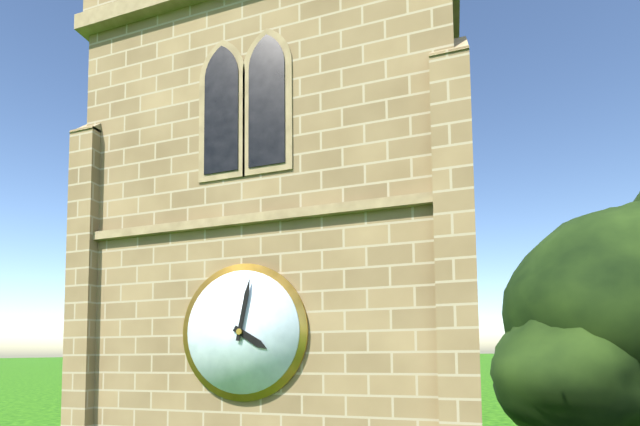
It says 4 h 02 min
